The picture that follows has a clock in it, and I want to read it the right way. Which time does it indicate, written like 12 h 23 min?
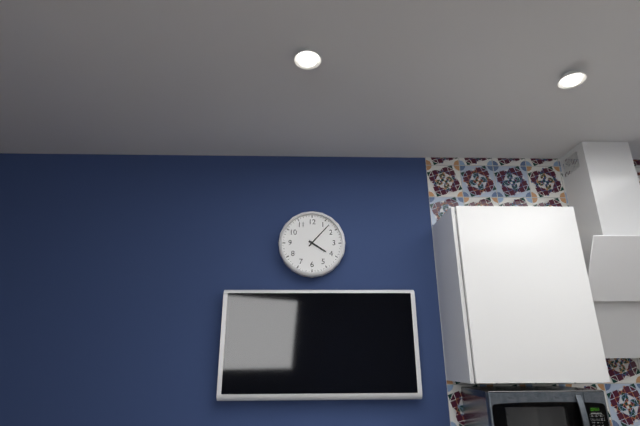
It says 4 h 07 min
